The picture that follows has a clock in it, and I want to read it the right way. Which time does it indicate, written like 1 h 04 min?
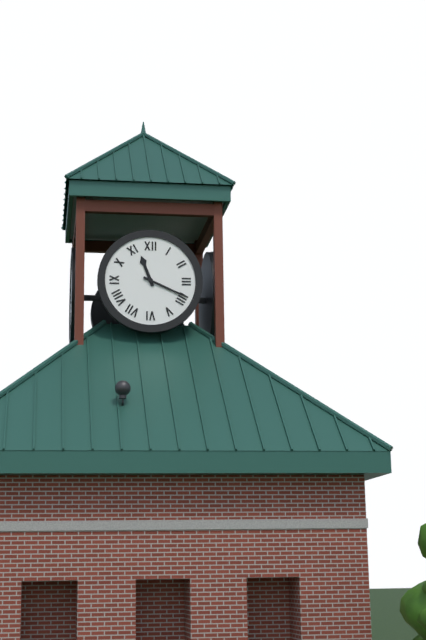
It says 11 h 19 min
